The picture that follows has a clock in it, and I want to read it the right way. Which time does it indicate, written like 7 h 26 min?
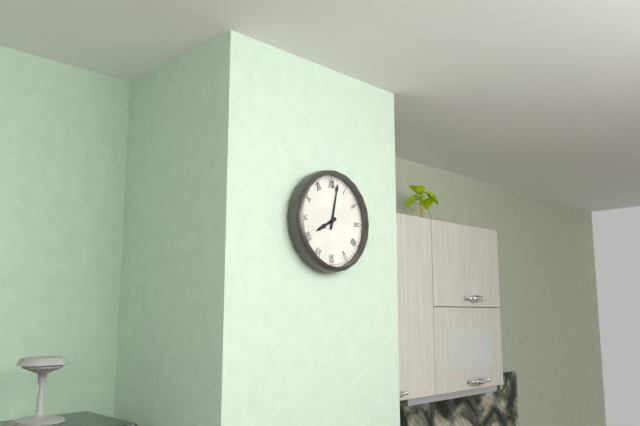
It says 8 h 02 min
